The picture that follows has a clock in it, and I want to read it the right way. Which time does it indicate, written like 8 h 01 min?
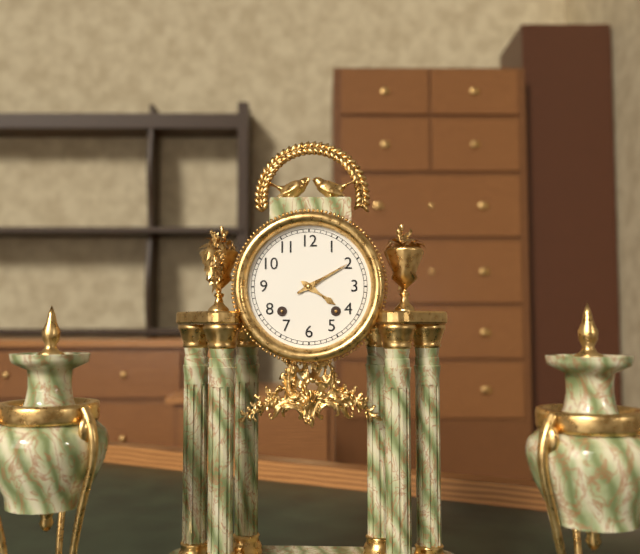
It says 4 h 10 min
